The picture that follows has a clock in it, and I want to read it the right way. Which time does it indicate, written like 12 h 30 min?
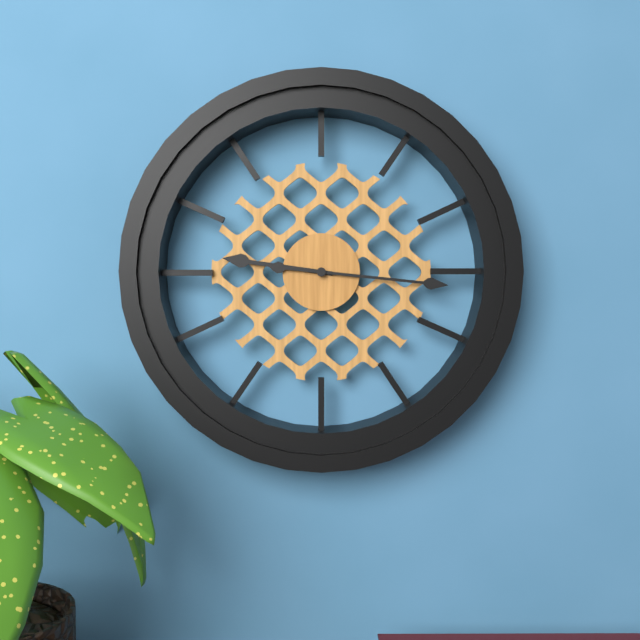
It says 9 h 16 min
